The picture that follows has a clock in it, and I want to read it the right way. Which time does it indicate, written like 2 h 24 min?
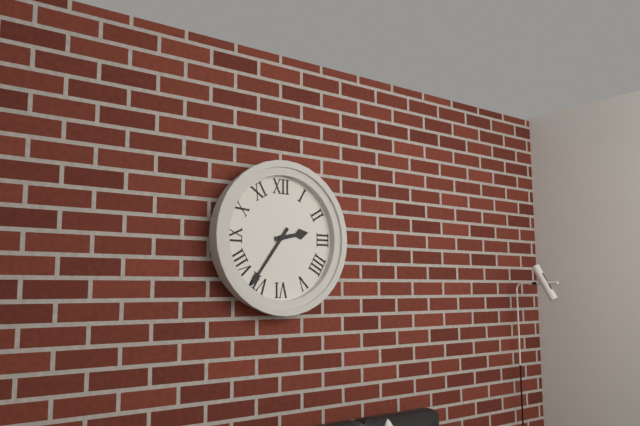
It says 2 h 36 min
